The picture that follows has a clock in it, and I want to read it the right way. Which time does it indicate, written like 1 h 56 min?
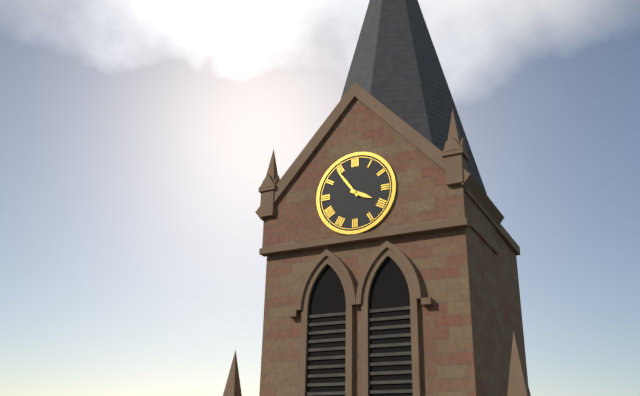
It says 3 h 54 min
